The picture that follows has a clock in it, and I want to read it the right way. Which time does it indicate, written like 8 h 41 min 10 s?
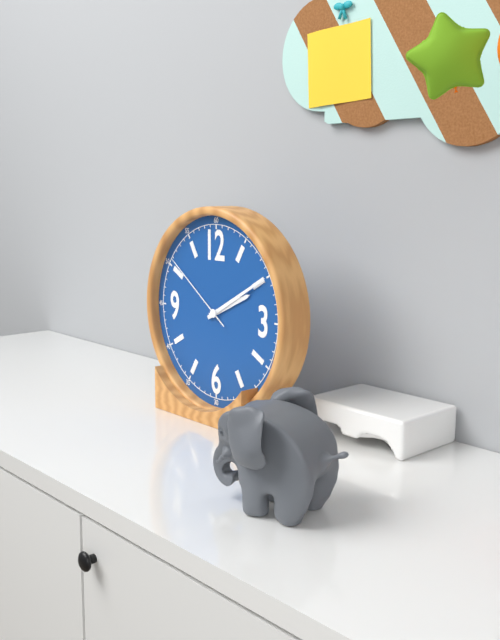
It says 2 h 10 min 51 s
